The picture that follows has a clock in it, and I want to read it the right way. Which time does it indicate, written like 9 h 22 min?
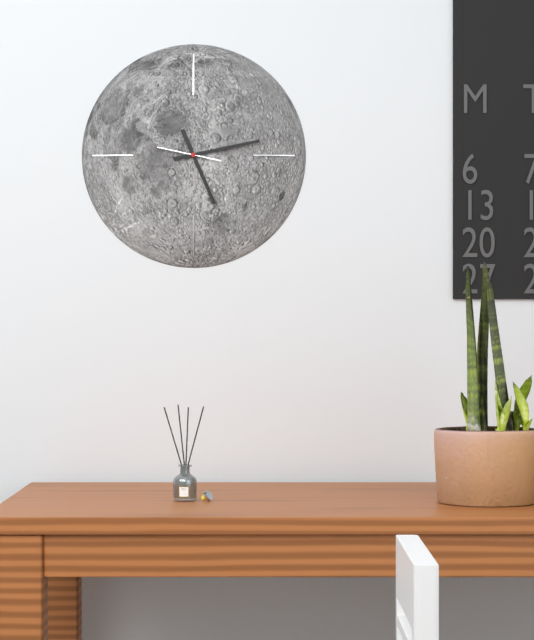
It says 5 h 13 min
